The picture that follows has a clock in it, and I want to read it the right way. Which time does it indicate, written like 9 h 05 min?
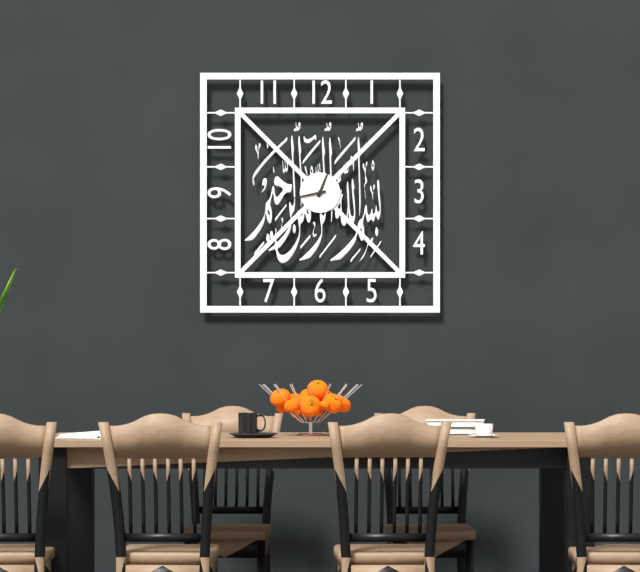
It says 12 h 43 min
